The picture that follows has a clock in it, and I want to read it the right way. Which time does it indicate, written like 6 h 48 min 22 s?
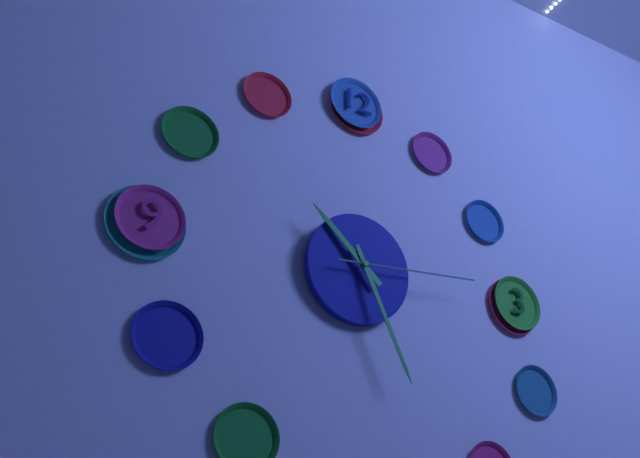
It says 10 h 26 min 14 s
